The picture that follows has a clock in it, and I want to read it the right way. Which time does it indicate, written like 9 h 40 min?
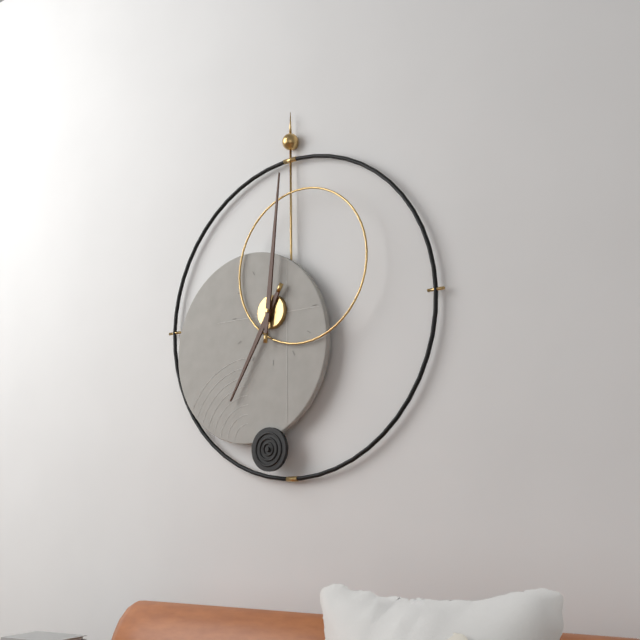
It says 7 h 01 min
